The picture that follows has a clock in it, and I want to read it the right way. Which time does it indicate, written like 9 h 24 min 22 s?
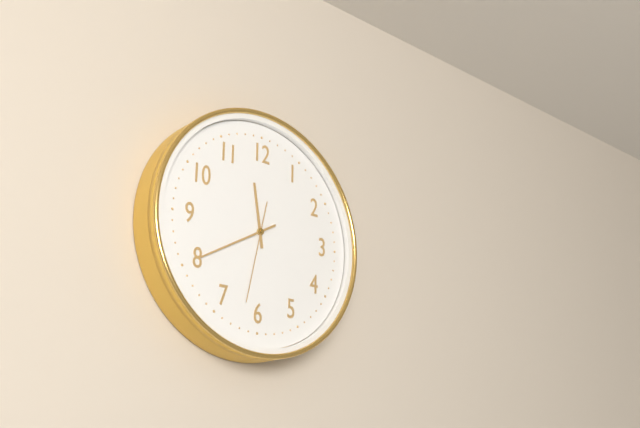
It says 11 h 40 min 32 s
